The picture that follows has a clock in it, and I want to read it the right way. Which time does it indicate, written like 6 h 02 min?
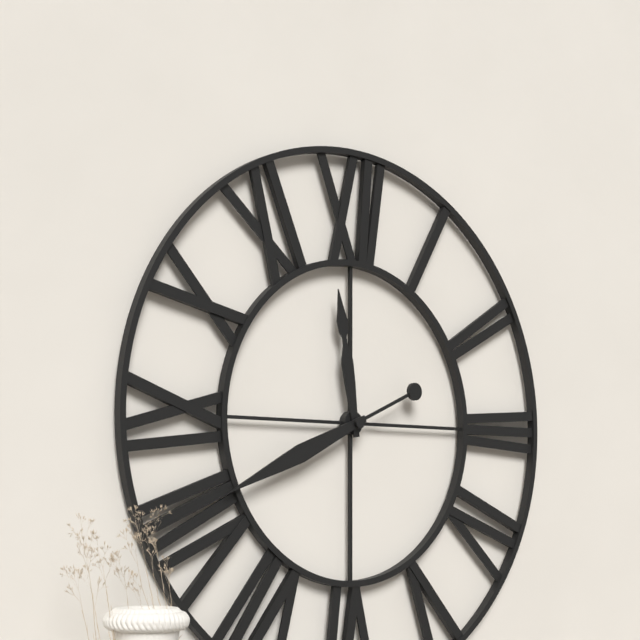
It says 11 h 41 min
